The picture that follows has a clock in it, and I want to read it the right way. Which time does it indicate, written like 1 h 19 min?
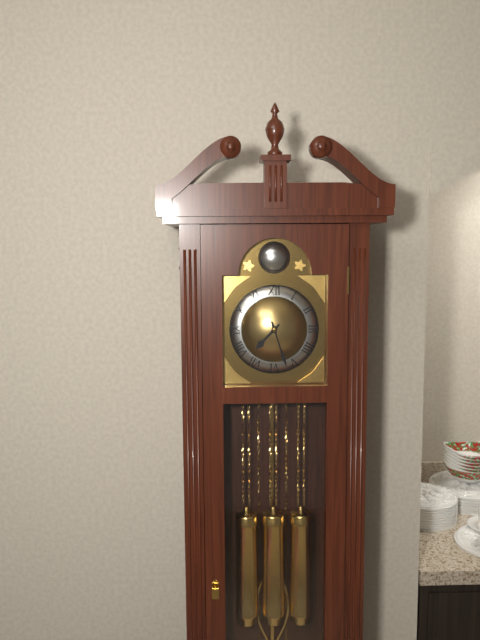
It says 7 h 27 min
